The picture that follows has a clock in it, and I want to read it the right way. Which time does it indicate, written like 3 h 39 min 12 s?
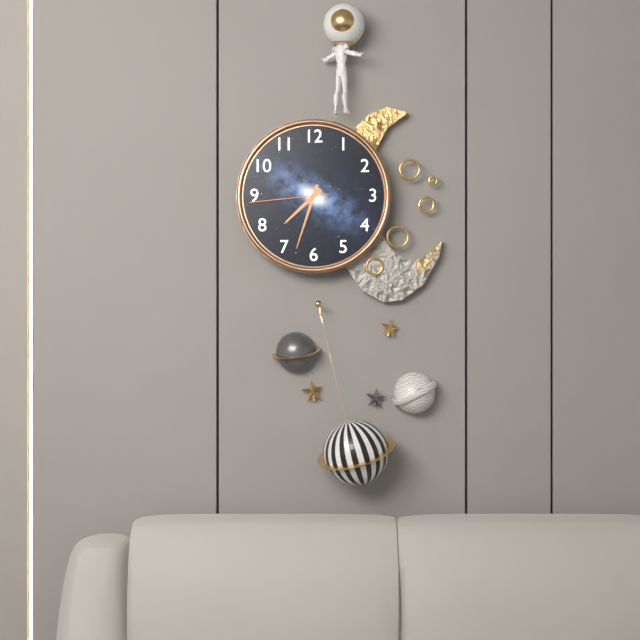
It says 7 h 33 min 44 s
